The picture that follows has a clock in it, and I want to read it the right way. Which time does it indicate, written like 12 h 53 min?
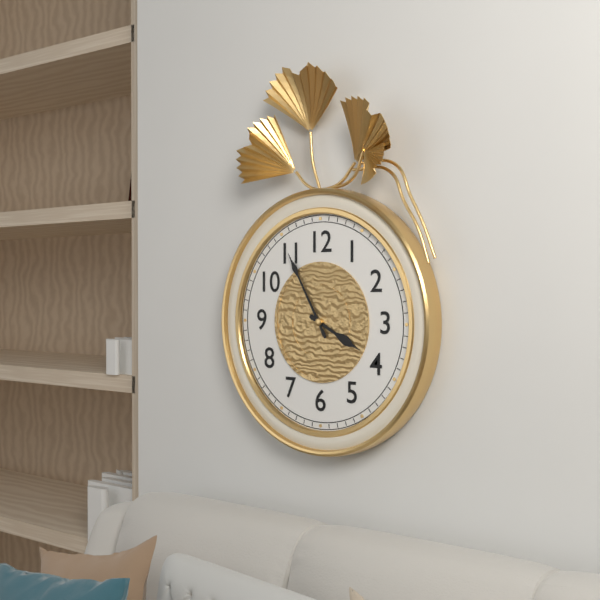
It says 3 h 55 min
